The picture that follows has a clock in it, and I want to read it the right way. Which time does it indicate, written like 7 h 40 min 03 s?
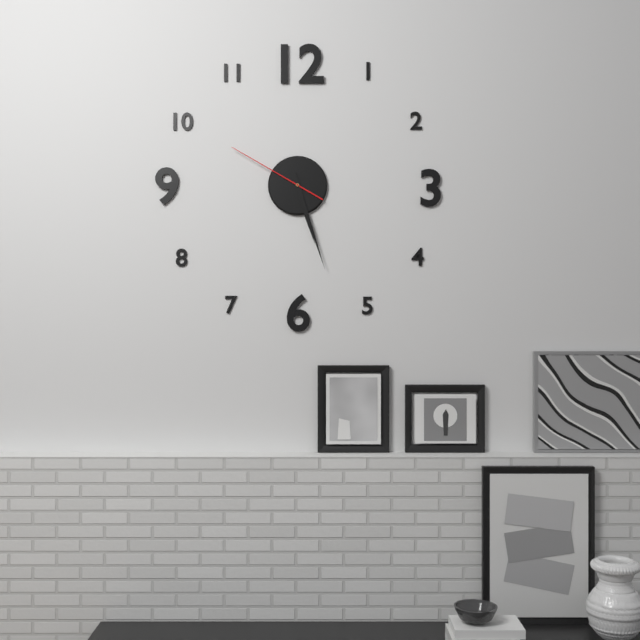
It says 5 h 27 min 50 s
